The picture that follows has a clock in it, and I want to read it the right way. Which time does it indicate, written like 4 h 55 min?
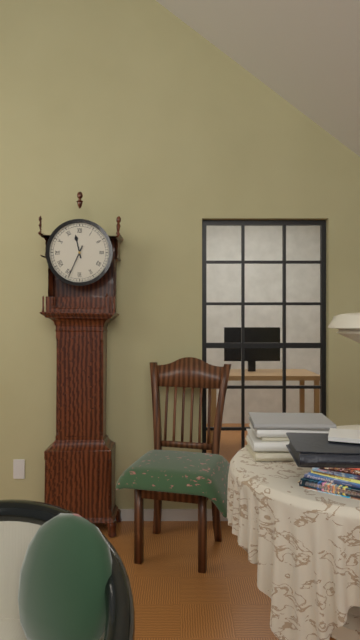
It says 11 h 34 min
